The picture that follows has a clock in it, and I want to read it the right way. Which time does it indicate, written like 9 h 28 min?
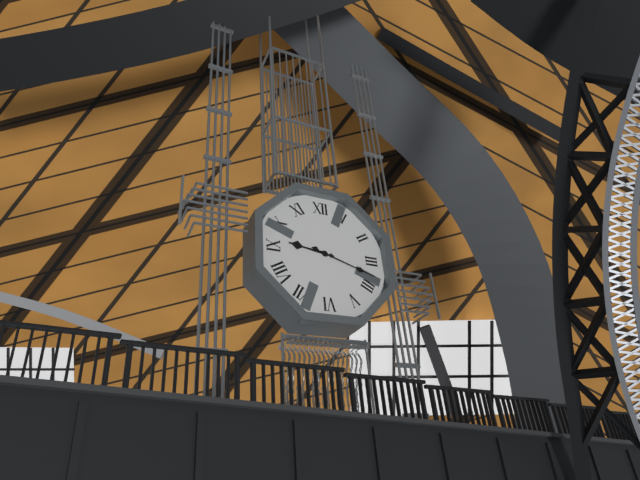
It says 9 h 18 min
